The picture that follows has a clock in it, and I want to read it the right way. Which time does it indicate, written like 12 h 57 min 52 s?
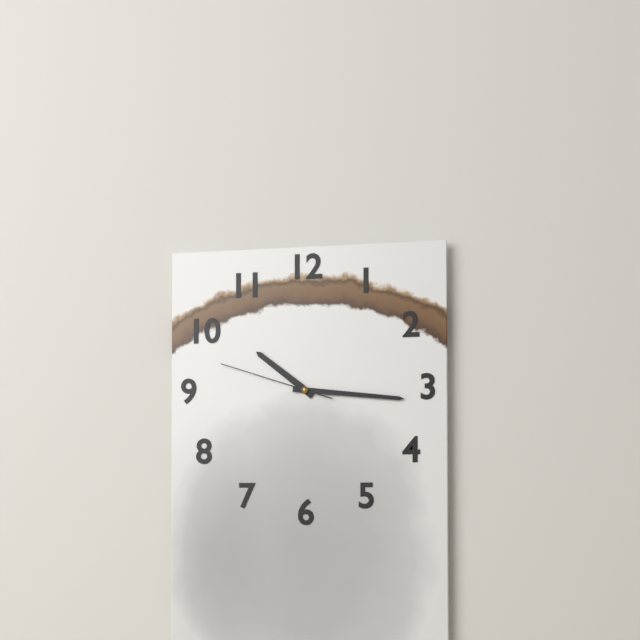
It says 10 h 16 min 48 s
